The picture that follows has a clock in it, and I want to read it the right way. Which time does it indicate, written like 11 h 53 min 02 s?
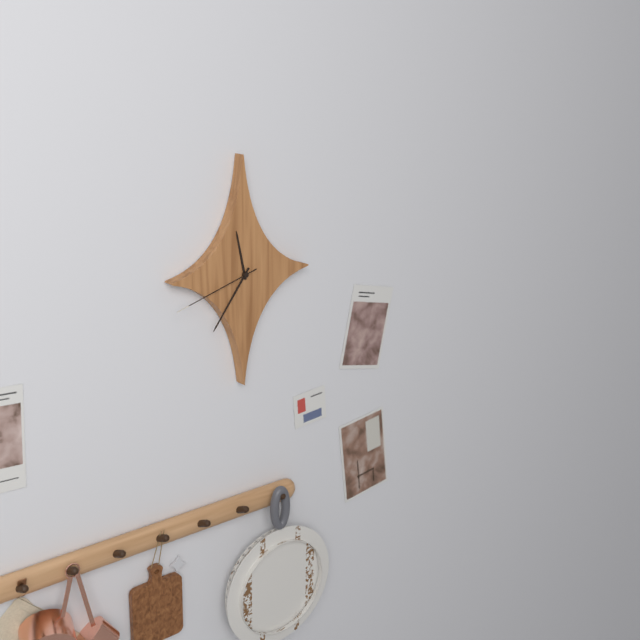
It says 11 h 36 min 42 s
